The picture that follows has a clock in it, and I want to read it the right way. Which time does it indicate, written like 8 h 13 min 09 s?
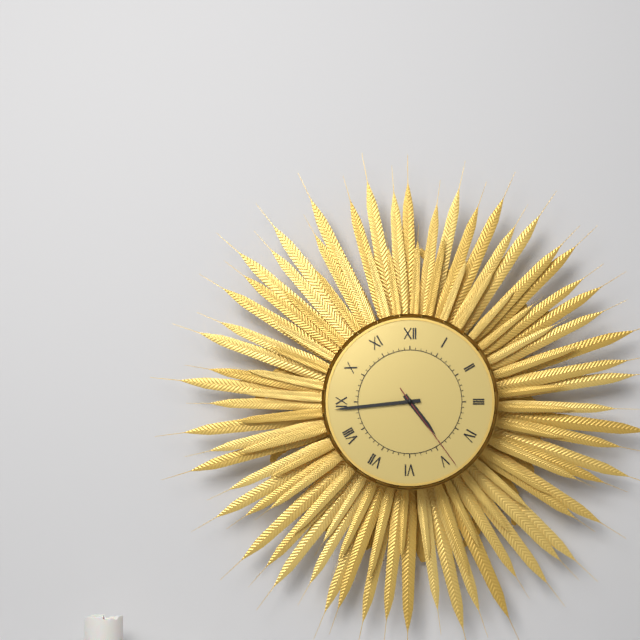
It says 4 h 44 min 24 s
